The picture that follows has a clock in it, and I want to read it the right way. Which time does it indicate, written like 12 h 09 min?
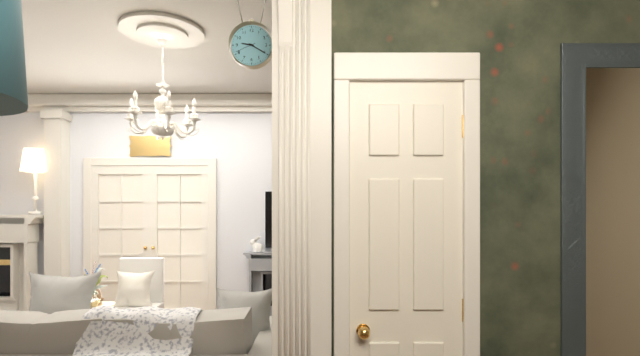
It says 9 h 20 min
